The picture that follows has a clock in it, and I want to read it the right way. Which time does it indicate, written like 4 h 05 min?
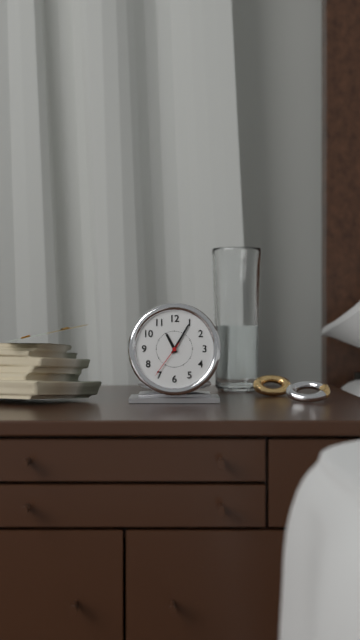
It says 11 h 05 min
